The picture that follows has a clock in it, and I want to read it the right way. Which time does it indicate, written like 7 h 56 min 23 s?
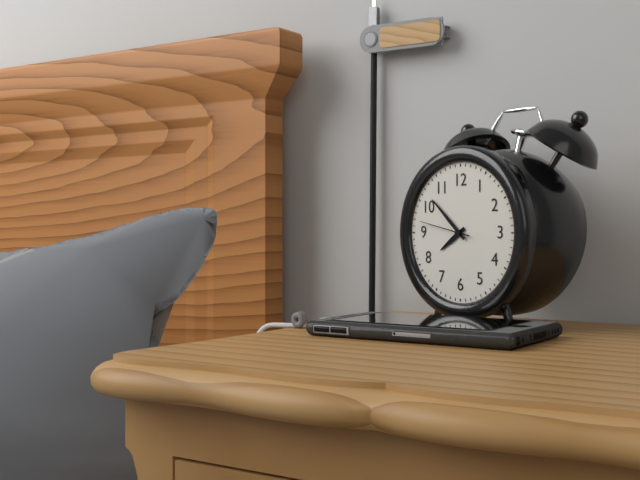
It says 7 h 52 min 47 s
